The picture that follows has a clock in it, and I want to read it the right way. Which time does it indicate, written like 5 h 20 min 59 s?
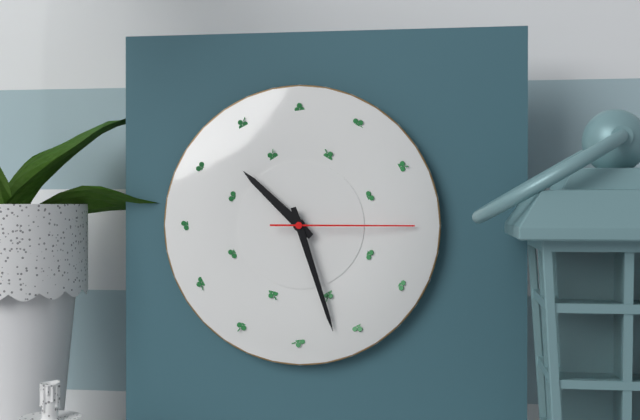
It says 10 h 27 min 15 s
